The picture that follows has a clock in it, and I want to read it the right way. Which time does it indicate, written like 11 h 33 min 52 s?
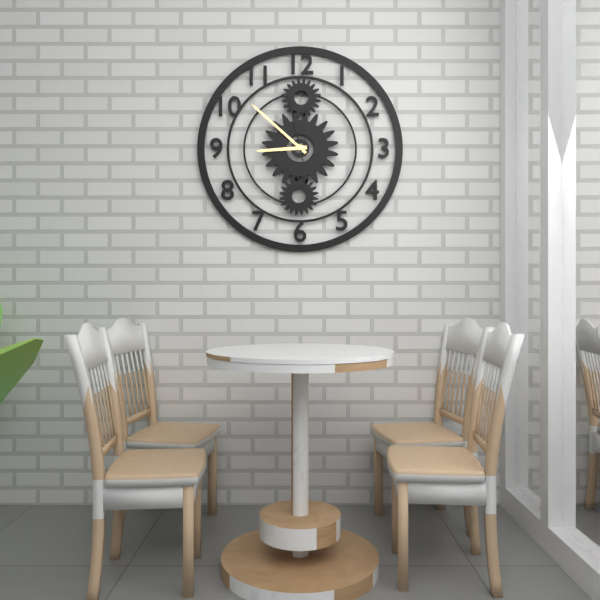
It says 8 h 52 min 58 s
